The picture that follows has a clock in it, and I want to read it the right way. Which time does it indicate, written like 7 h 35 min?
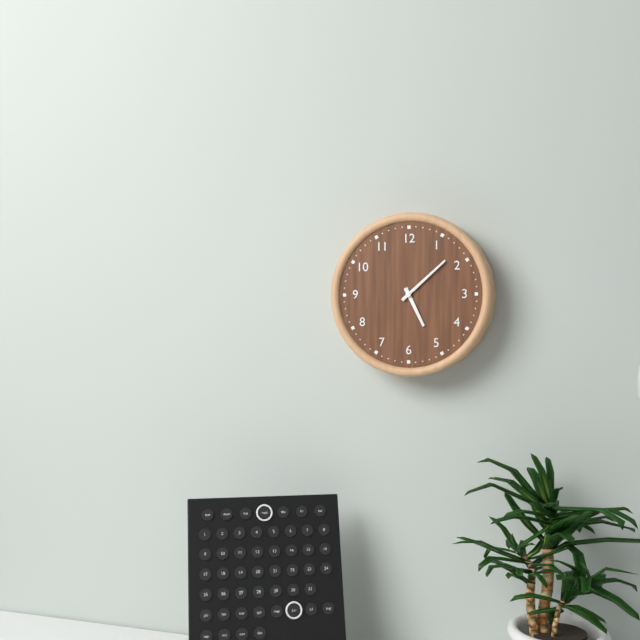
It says 5 h 08 min
